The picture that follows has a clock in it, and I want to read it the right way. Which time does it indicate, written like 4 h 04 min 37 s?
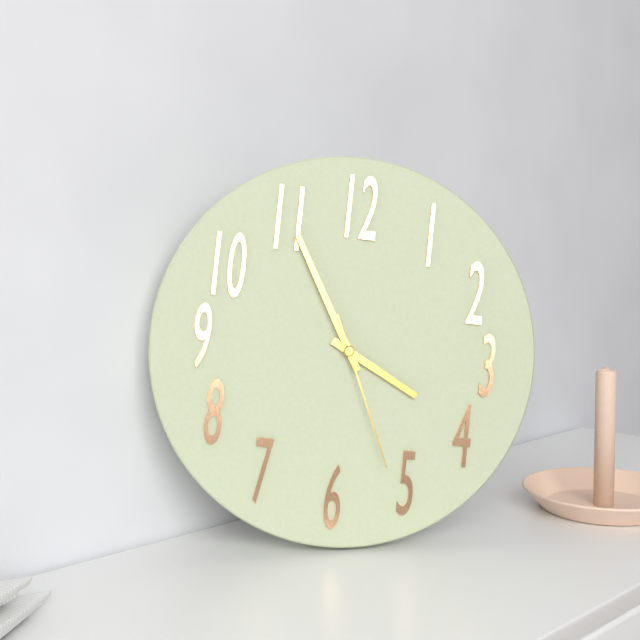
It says 3 h 55 min 26 s
